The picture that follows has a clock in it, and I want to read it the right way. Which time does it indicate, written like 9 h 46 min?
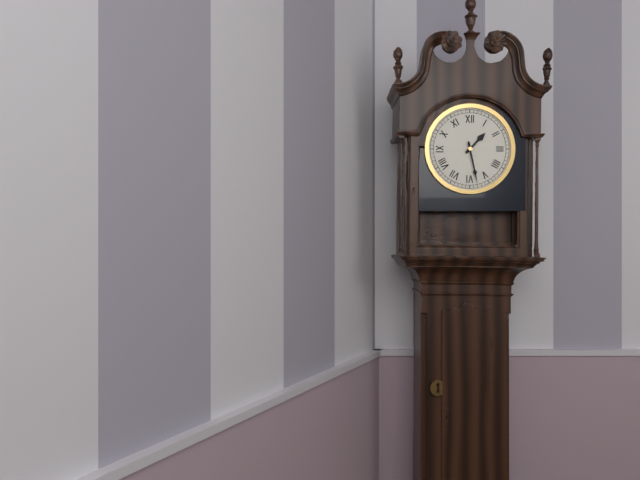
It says 1 h 28 min
